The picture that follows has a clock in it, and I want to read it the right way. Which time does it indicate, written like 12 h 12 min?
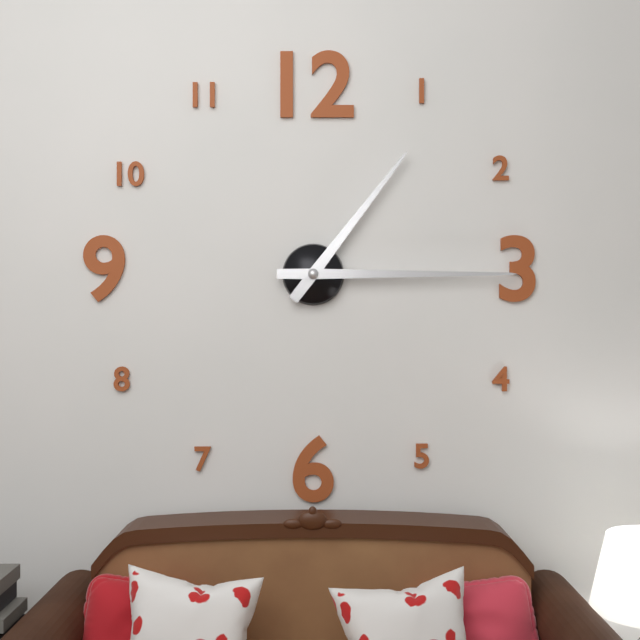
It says 1 h 15 min
